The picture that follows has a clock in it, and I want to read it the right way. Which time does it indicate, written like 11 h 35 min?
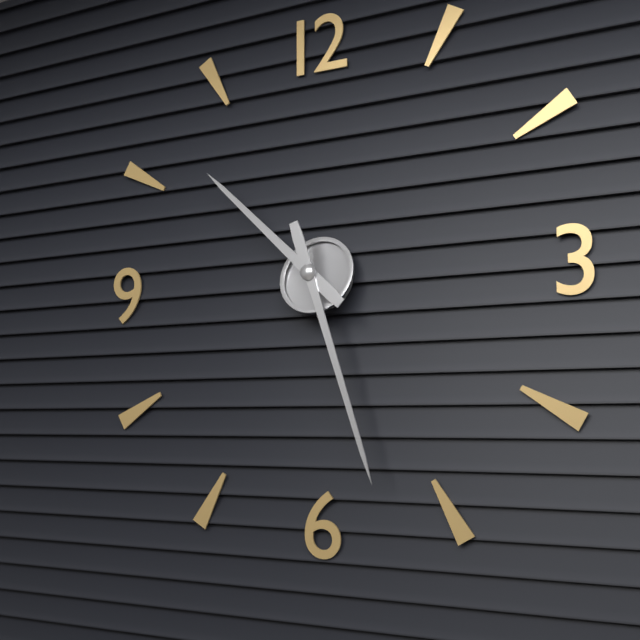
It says 10 h 27 min
